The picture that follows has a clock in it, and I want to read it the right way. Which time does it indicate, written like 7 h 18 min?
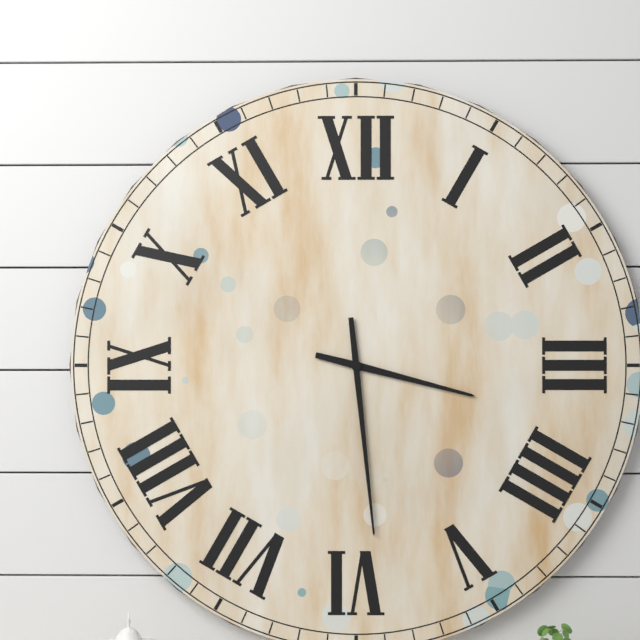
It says 3 h 29 min
